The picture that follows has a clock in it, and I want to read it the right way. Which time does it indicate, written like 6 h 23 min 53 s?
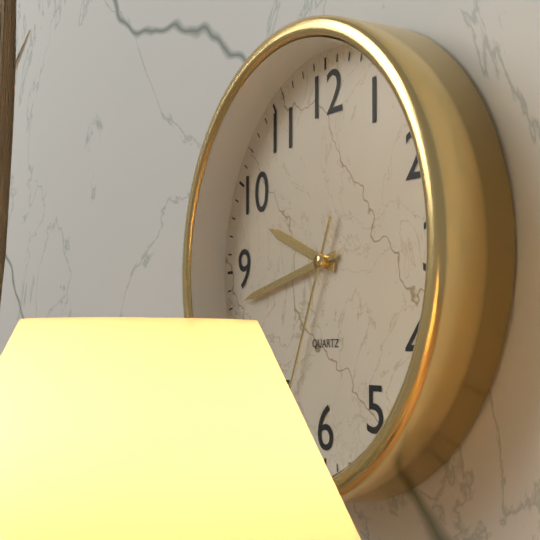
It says 9 h 43 min 34 s
